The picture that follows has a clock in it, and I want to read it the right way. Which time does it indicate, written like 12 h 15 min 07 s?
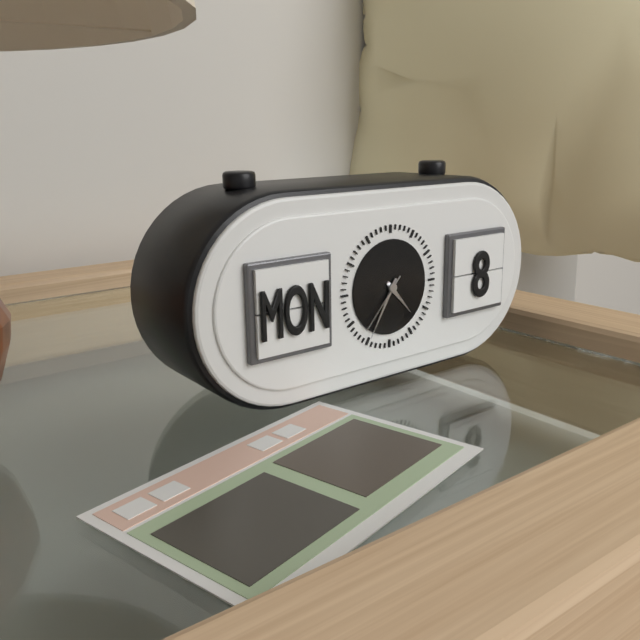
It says 4 h 35 min 37 s
